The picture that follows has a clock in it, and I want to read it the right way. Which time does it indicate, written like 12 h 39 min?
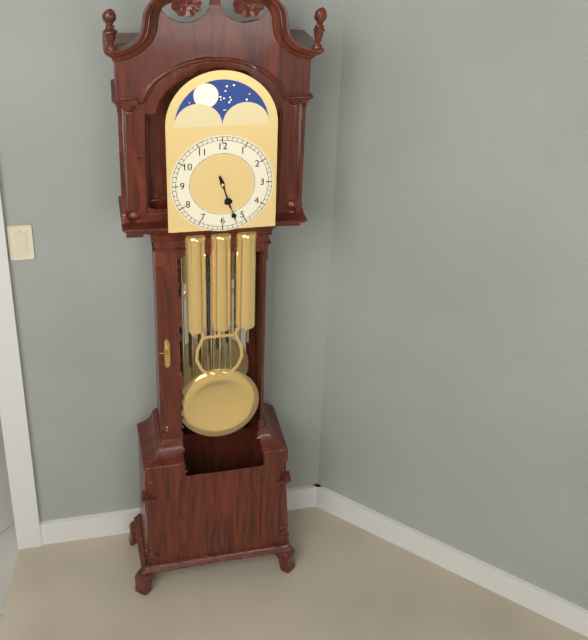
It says 5 h 27 min
